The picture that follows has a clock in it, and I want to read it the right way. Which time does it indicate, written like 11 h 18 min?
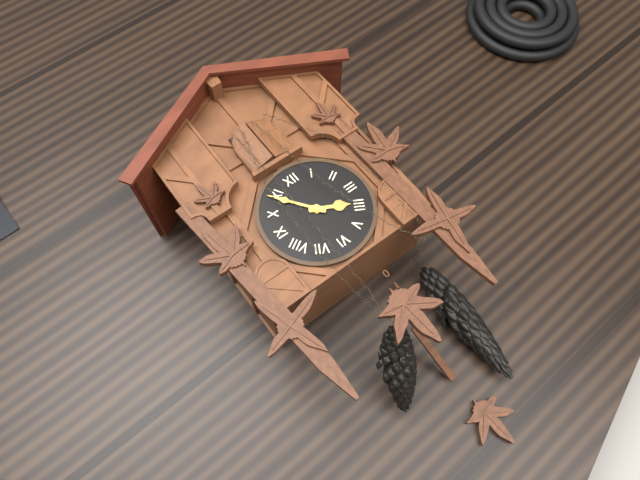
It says 3 h 54 min
